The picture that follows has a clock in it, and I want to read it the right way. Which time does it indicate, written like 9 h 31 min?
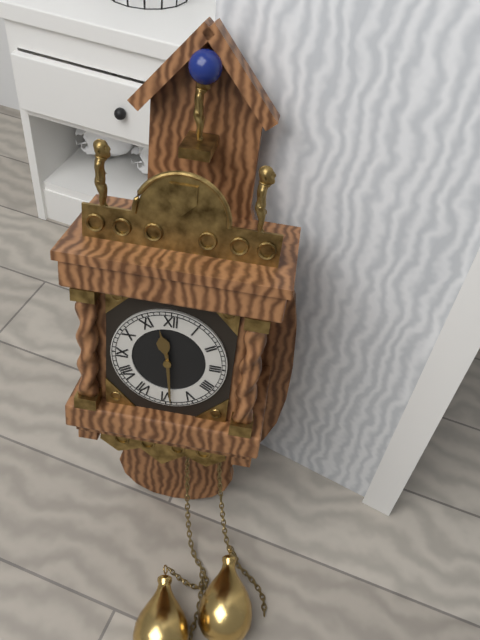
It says 11 h 29 min
